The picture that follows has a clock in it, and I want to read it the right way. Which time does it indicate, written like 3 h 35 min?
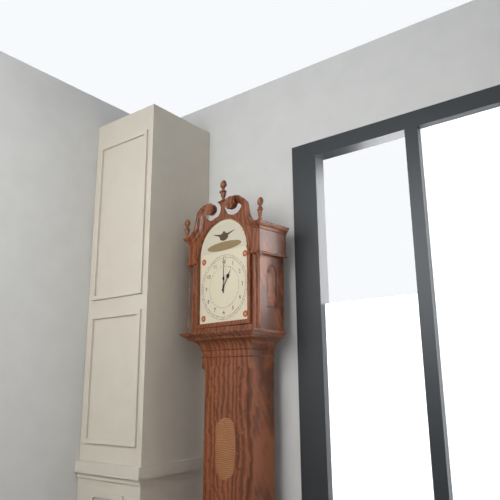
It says 1 h 00 min
